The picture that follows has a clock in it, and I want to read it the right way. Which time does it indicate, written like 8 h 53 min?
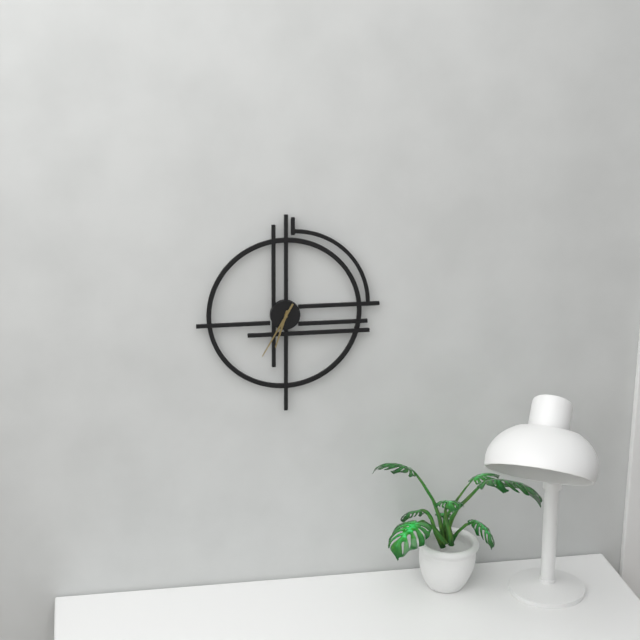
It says 6 h 35 min
